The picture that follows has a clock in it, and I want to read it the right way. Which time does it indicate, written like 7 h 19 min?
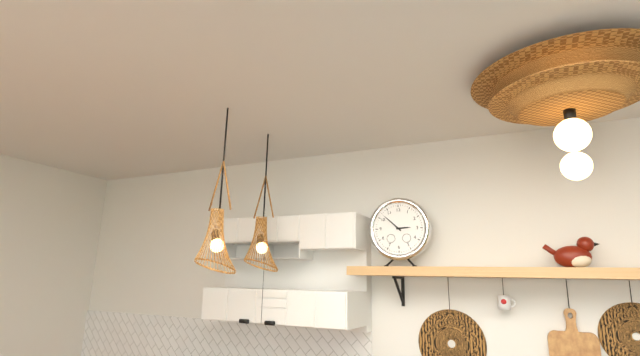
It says 2 h 52 min
